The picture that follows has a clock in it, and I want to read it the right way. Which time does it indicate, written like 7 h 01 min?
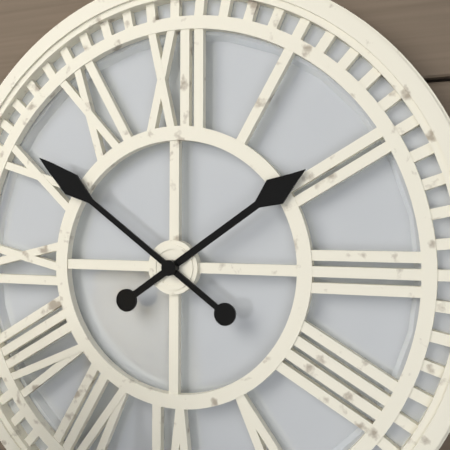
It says 1 h 51 min
